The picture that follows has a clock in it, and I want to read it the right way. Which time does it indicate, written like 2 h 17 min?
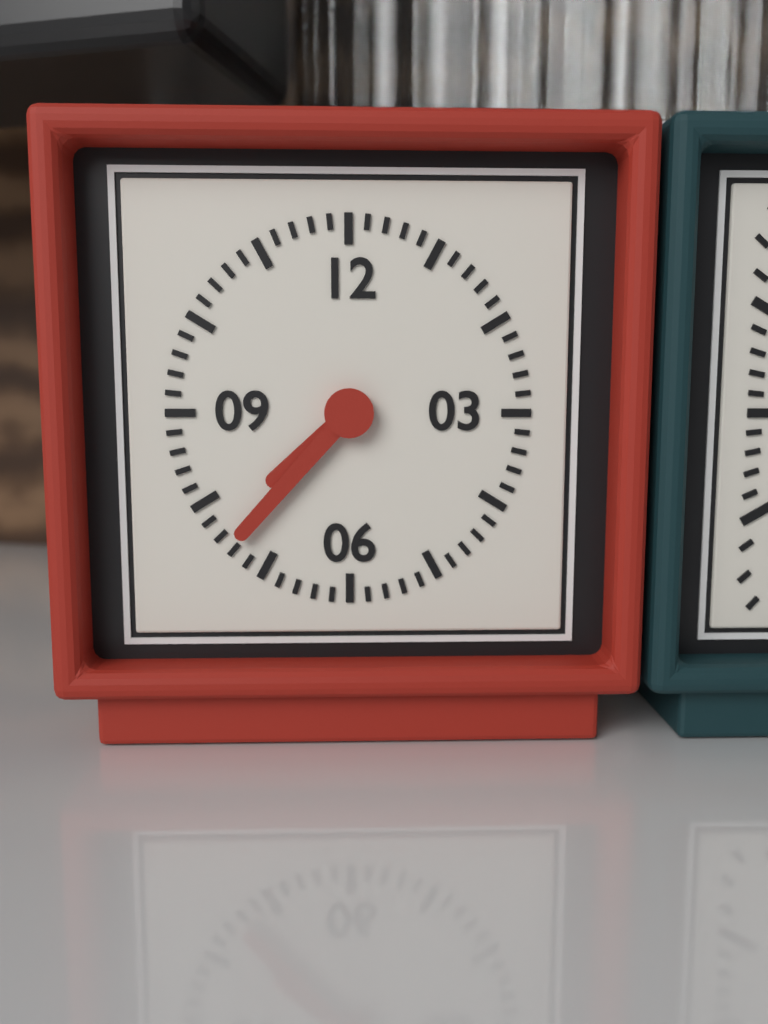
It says 7 h 37 min
